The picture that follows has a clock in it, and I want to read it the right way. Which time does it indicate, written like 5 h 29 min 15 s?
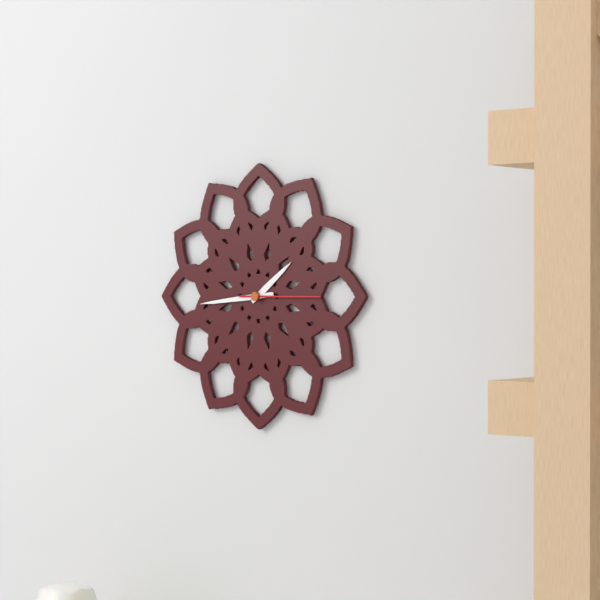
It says 1 h 44 min 15 s
